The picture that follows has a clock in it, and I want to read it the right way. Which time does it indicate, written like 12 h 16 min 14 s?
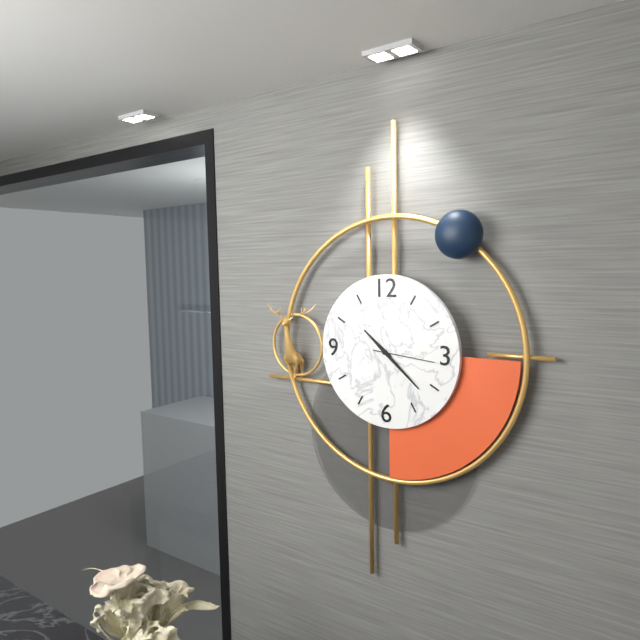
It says 10 h 22 min 16 s
